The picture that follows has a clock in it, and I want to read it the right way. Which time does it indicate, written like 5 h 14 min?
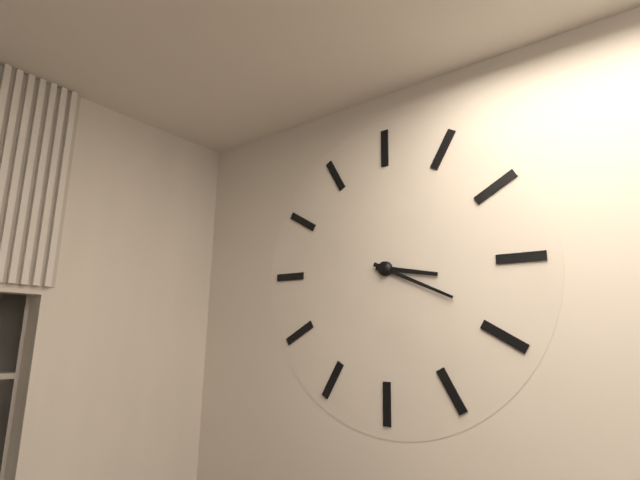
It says 3 h 19 min
